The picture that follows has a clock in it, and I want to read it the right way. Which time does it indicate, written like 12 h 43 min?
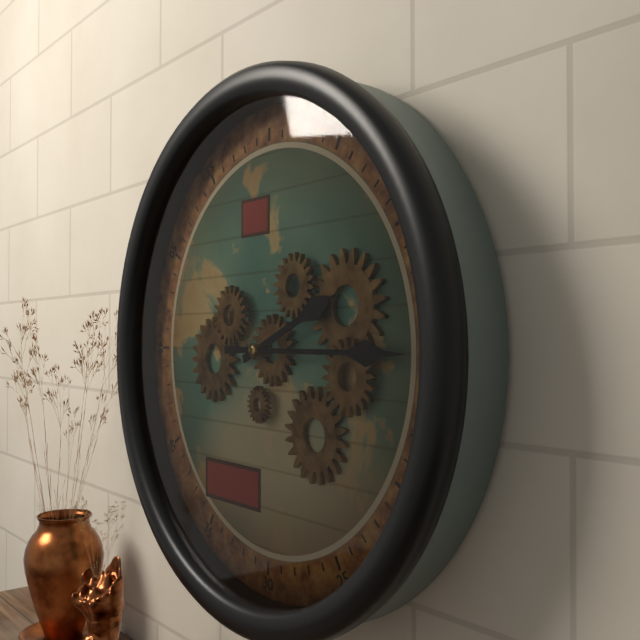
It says 2 h 15 min
